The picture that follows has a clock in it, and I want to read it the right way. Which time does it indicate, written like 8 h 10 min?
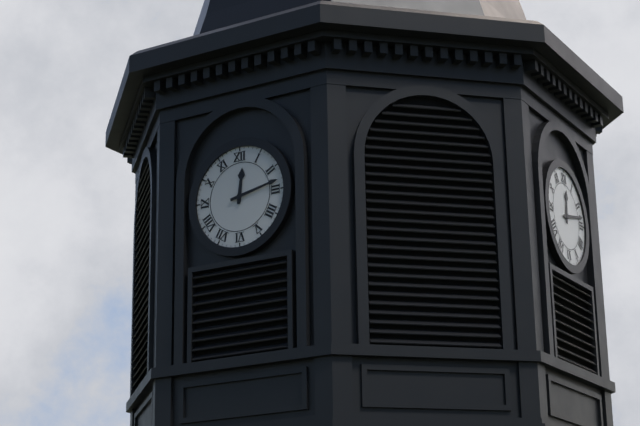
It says 12 h 13 min
